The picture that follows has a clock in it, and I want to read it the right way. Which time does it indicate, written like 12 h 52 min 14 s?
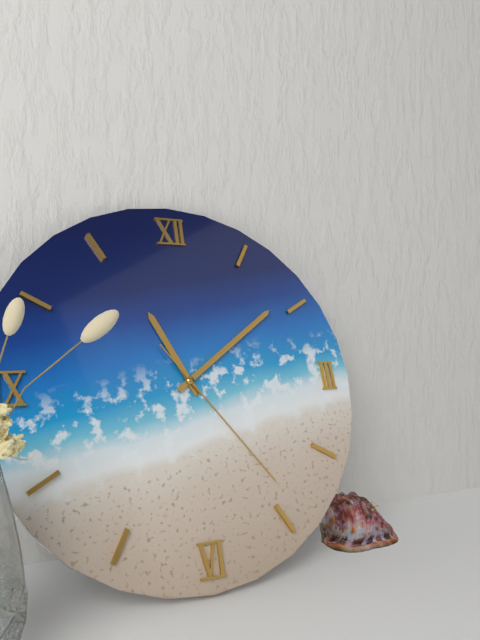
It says 11 h 09 min 24 s
